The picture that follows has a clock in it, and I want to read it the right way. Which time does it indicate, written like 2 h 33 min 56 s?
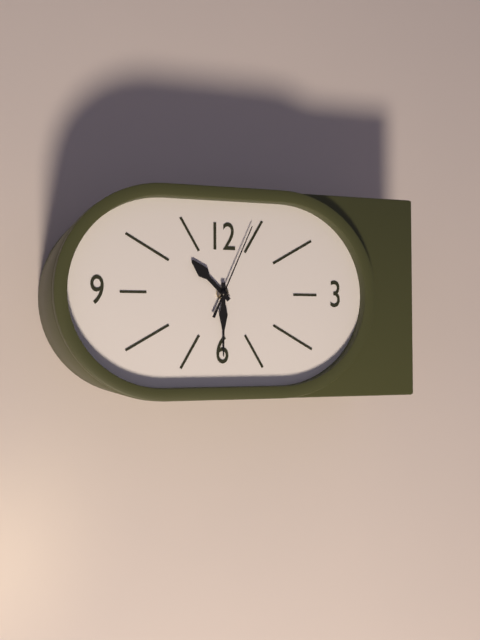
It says 10 h 30 min 04 s
